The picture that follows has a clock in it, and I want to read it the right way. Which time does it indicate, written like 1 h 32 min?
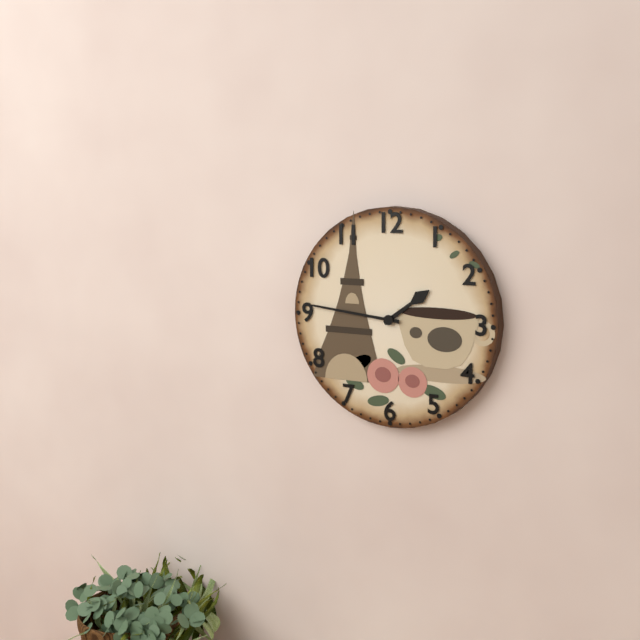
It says 1 h 46 min
